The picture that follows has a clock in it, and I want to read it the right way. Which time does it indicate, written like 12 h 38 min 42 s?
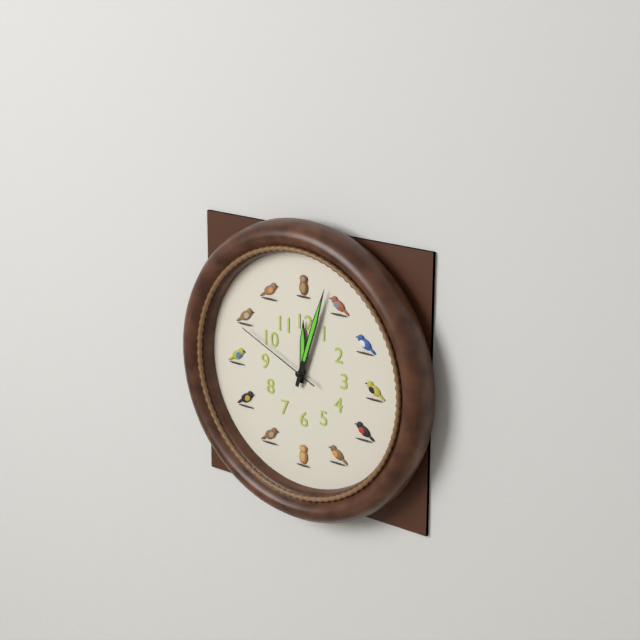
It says 12 h 03 min 49 s
